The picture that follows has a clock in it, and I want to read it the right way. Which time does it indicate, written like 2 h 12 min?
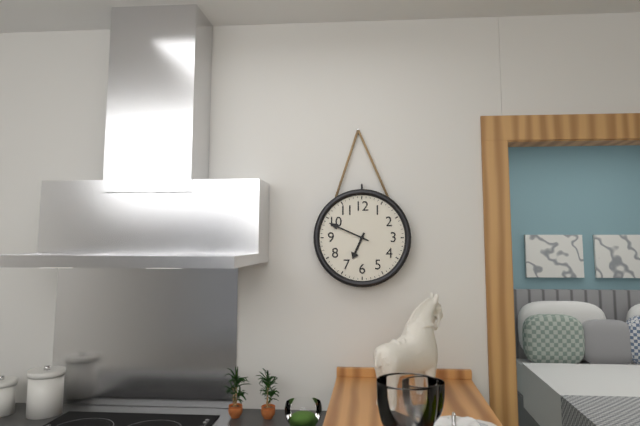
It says 6 h 49 min
